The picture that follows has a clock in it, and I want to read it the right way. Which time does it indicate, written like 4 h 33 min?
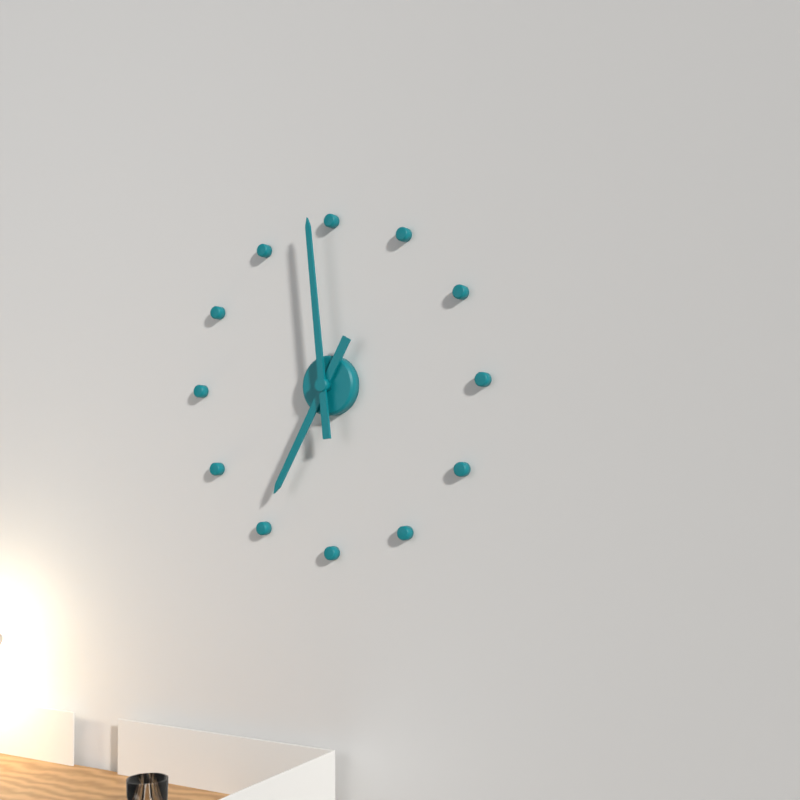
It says 6 h 59 min
